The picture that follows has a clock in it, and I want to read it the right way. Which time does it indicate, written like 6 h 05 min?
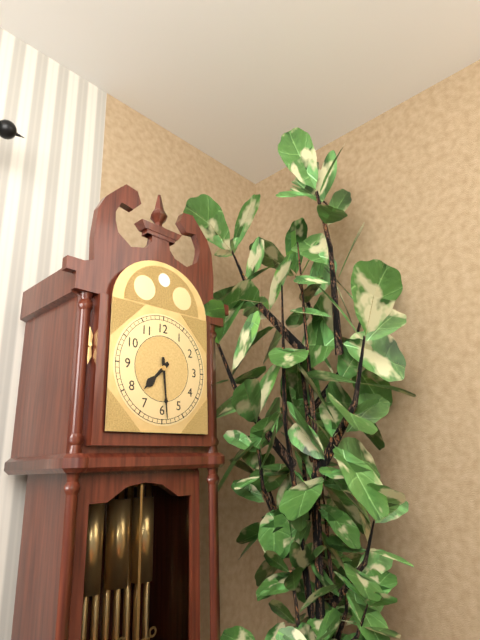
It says 7 h 29 min
